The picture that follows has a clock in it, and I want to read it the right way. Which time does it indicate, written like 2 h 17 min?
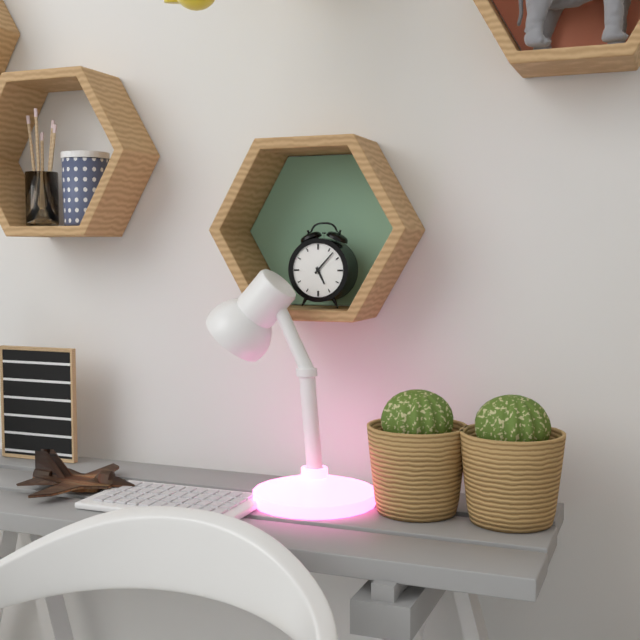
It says 5 h 07 min
